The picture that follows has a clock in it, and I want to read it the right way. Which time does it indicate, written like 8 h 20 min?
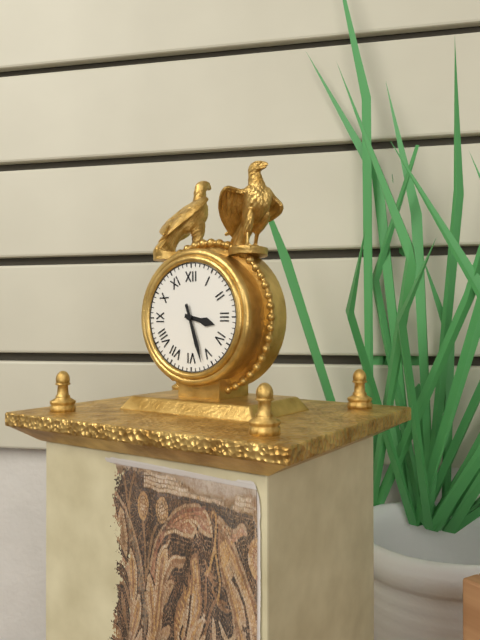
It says 3 h 27 min
